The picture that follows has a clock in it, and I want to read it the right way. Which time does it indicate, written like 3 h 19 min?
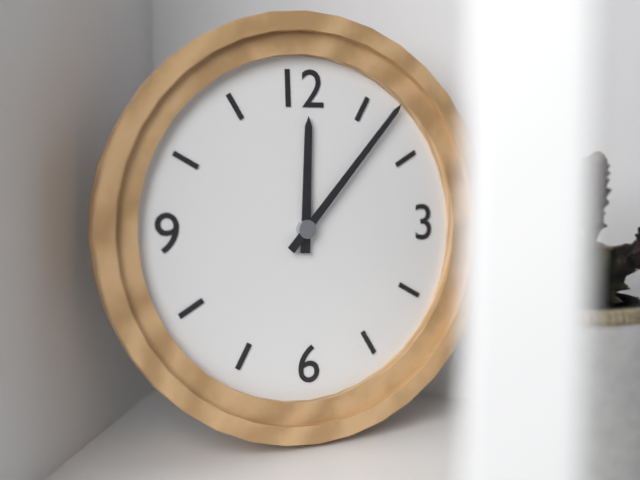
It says 12 h 07 min
